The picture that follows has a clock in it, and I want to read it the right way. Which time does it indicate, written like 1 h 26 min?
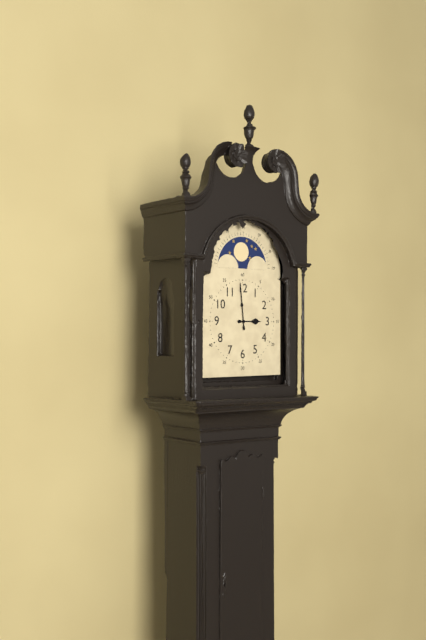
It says 2 h 59 min
